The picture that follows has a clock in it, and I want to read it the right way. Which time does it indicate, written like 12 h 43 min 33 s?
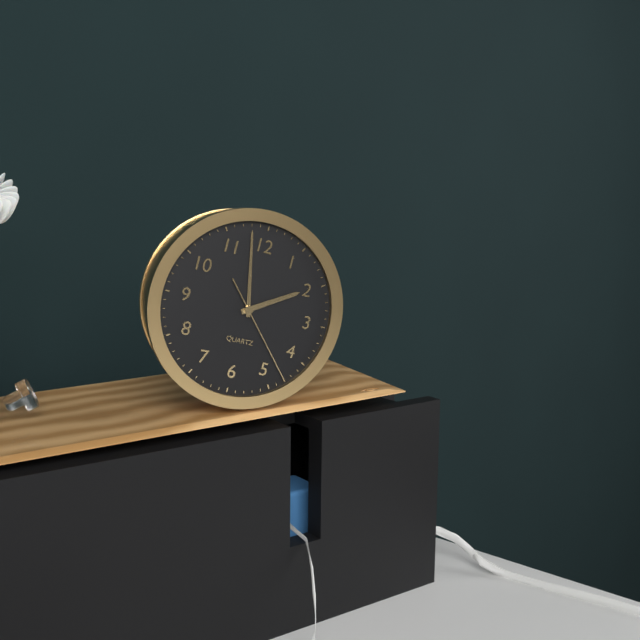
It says 1 h 58 min 23 s
